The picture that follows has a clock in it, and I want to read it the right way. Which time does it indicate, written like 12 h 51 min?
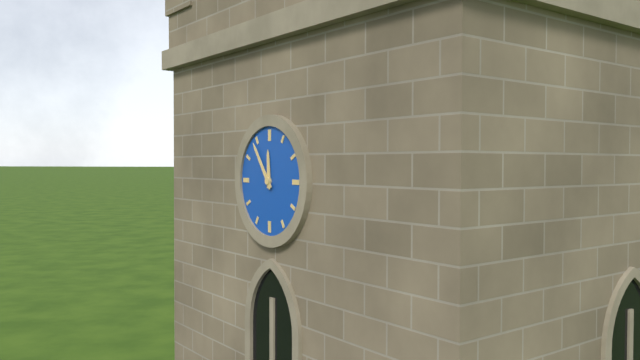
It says 11 h 54 min
